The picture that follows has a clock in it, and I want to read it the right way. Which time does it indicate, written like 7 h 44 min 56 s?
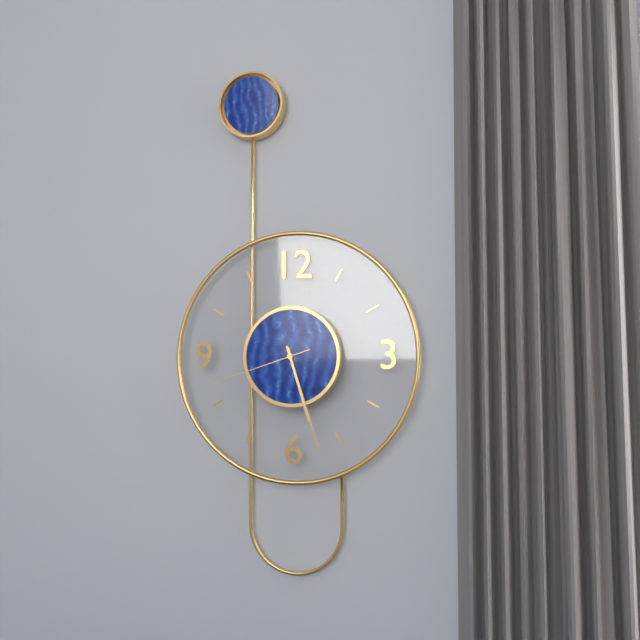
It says 5 h 27 min 42 s
